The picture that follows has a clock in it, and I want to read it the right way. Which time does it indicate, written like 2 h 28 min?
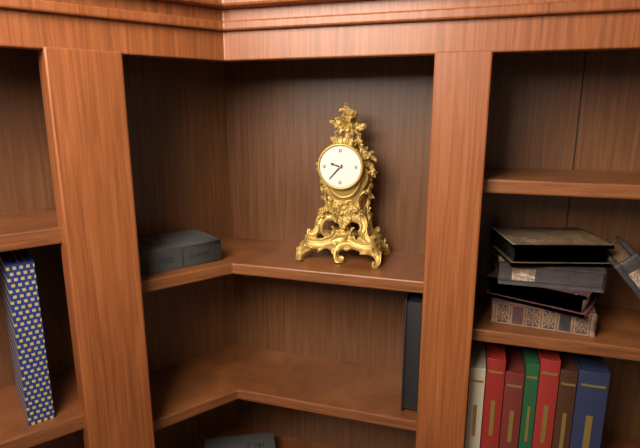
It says 9 h 37 min
